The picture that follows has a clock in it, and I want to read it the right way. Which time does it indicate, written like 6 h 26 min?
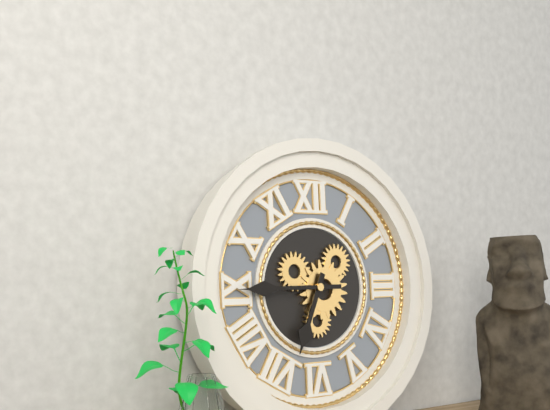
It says 6 h 45 min
